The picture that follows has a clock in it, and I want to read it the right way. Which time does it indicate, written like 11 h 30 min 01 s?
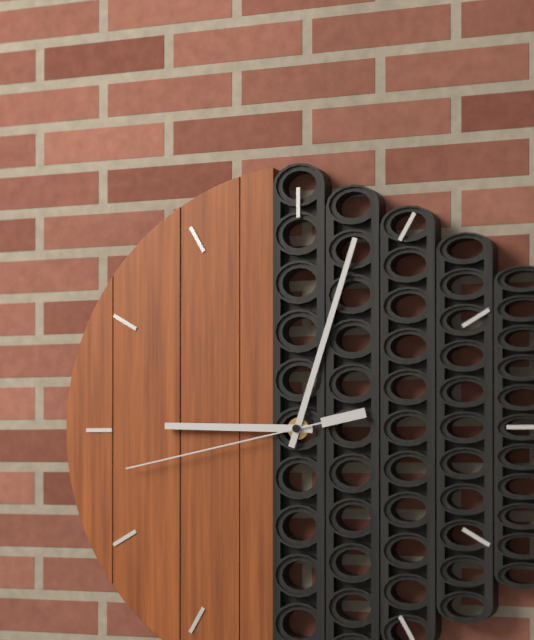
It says 9 h 03 min 43 s
